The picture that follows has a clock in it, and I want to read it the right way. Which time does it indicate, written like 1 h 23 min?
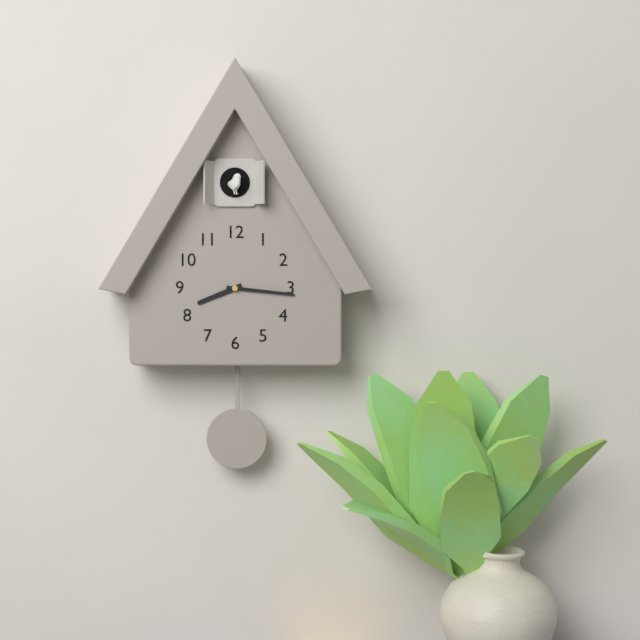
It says 8 h 16 min
